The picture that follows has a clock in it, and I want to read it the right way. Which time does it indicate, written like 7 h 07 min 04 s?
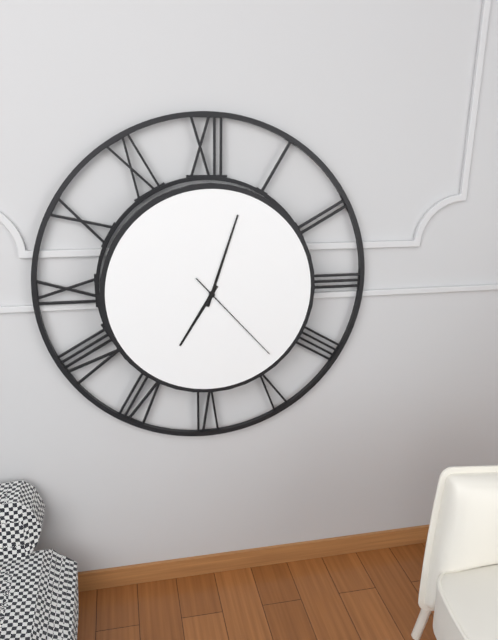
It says 7 h 03 min 23 s
